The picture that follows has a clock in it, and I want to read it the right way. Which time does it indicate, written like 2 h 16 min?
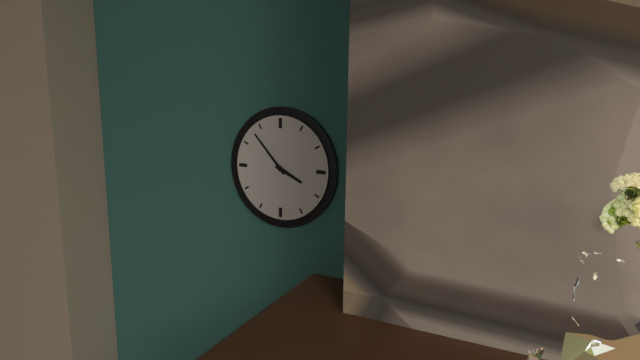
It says 3 h 53 min
